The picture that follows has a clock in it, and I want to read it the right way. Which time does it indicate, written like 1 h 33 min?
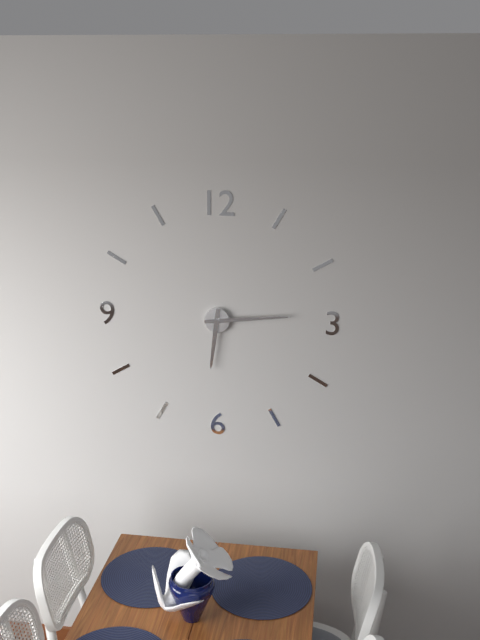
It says 6 h 14 min
